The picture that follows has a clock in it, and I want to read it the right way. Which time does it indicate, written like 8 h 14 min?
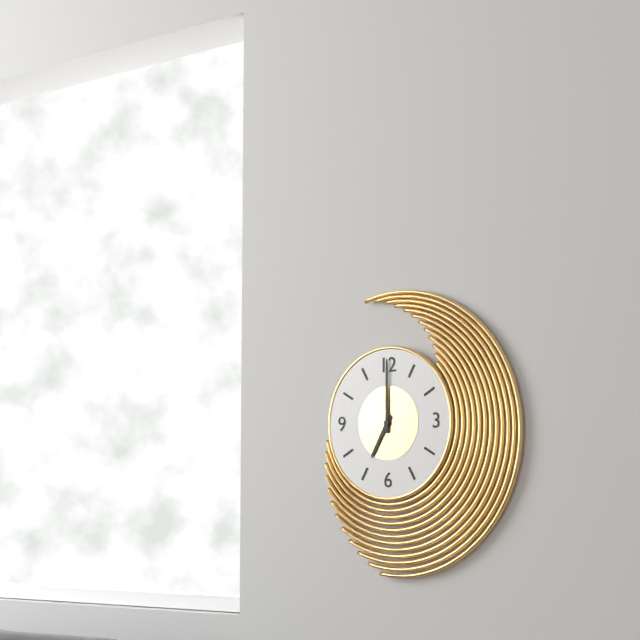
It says 7 h 00 min
